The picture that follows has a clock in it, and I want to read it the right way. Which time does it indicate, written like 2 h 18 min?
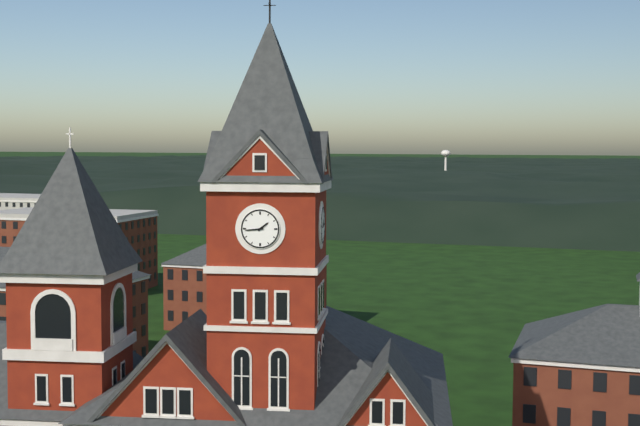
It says 1 h 44 min
